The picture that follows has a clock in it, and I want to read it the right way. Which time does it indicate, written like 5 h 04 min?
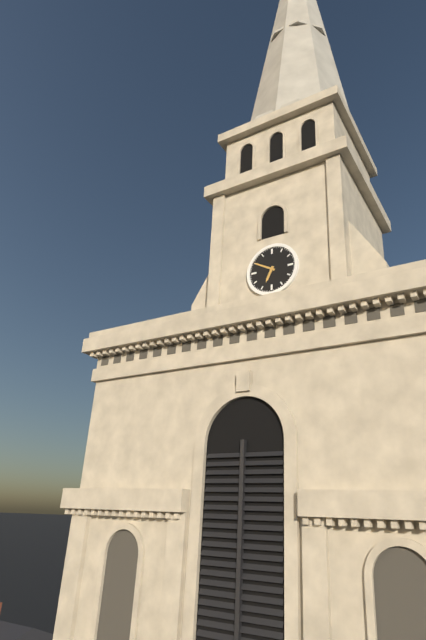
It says 6 h 50 min
